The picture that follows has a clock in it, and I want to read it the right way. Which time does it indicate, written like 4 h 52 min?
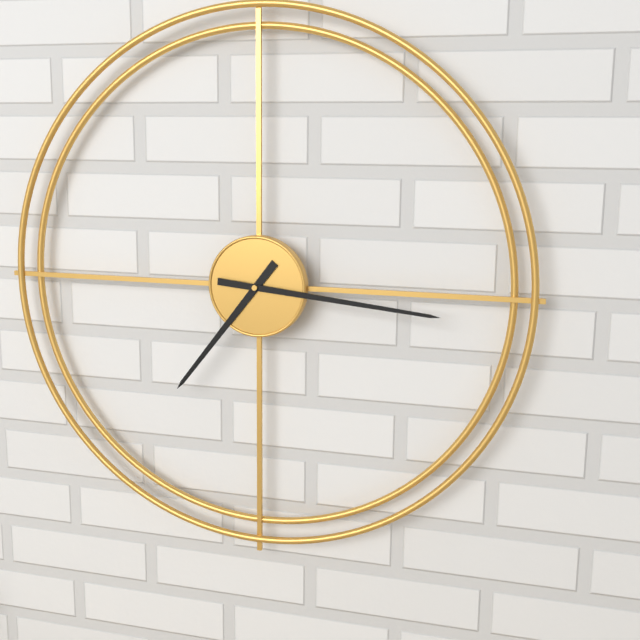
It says 7 h 16 min
